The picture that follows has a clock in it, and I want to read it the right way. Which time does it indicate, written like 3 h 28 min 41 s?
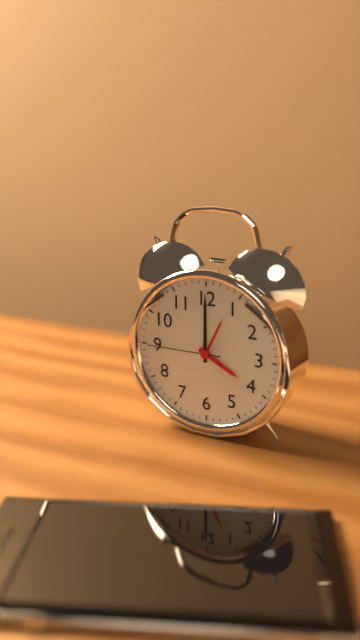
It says 4 h 00 min 45 s
